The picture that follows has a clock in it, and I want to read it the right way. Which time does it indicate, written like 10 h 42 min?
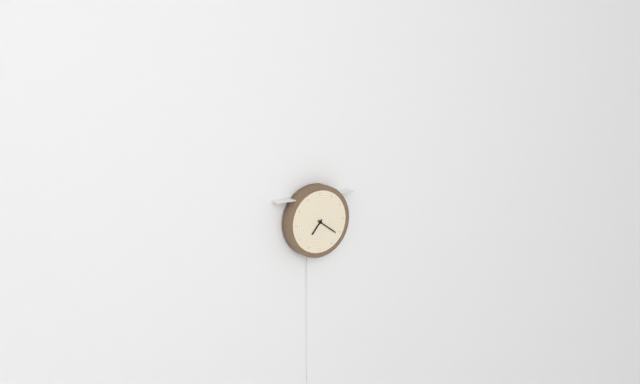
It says 7 h 21 min
